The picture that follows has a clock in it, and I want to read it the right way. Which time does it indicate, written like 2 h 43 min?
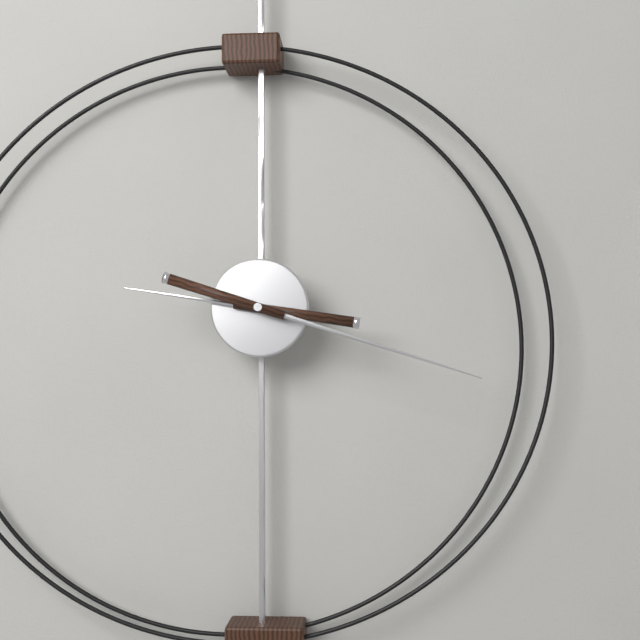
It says 9 h 18 min
